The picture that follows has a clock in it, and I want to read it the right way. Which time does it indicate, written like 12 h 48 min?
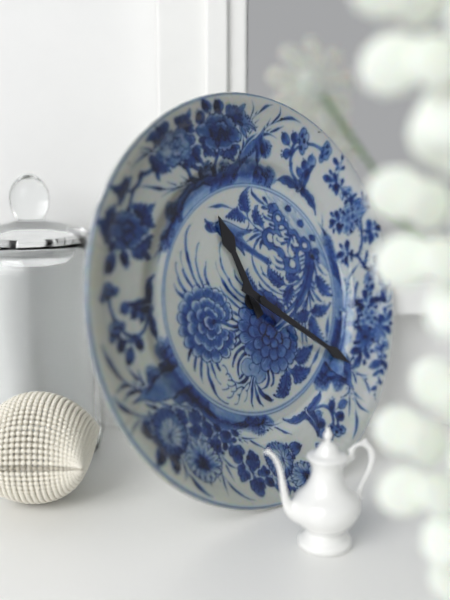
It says 11 h 21 min
